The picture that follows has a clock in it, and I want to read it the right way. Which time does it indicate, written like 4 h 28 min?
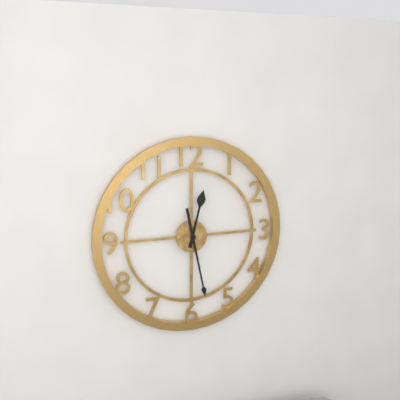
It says 12 h 28 min
